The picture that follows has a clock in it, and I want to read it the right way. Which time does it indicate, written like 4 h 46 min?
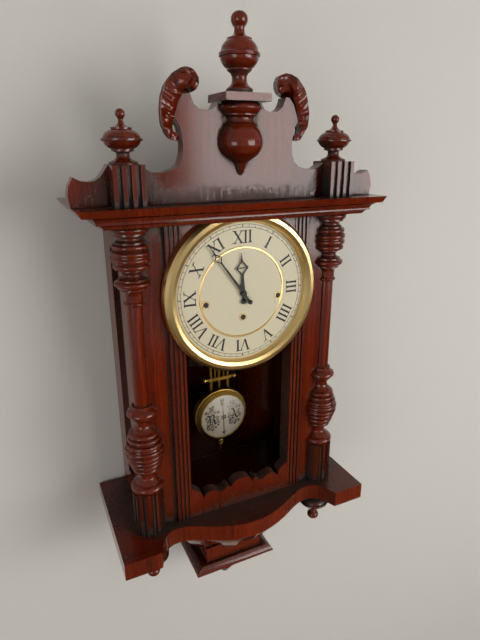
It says 11 h 54 min
